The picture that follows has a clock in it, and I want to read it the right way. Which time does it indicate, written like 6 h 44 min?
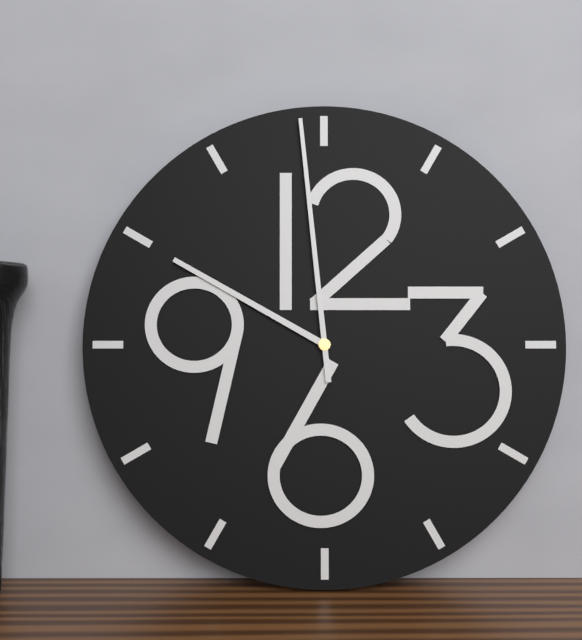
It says 9 h 59 min
